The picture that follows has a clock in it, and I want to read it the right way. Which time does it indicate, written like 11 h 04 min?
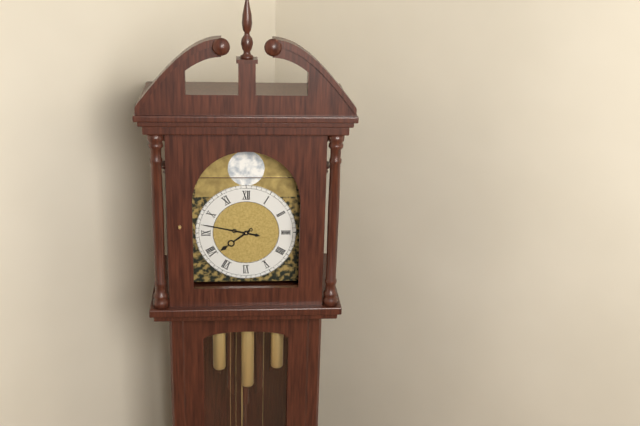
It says 7 h 47 min
